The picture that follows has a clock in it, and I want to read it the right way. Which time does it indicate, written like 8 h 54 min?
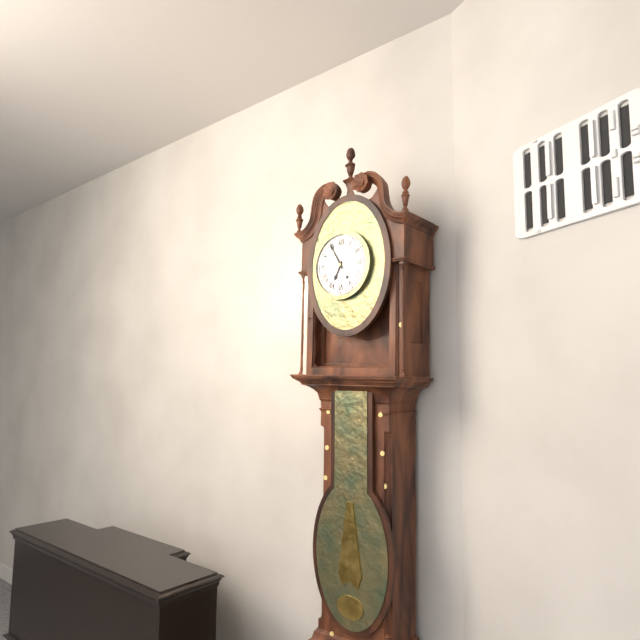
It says 6 h 55 min
